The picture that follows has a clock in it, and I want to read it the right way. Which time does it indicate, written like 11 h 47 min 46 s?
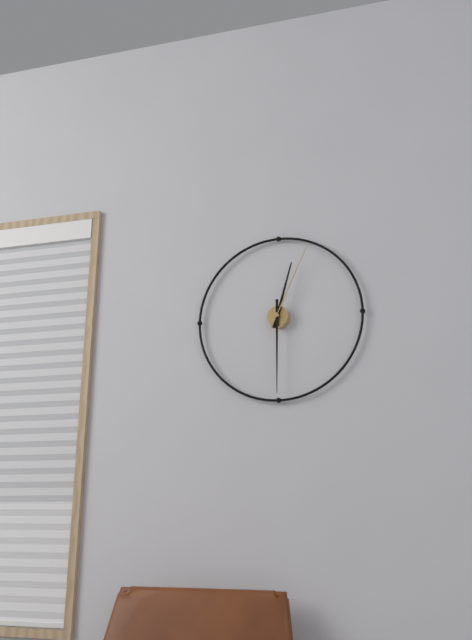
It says 12 h 30 min 04 s
